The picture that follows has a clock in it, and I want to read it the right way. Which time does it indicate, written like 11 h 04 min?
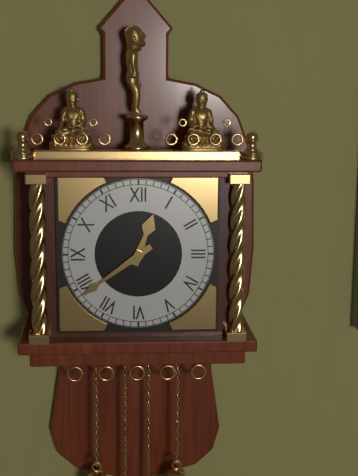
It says 12 h 39 min
